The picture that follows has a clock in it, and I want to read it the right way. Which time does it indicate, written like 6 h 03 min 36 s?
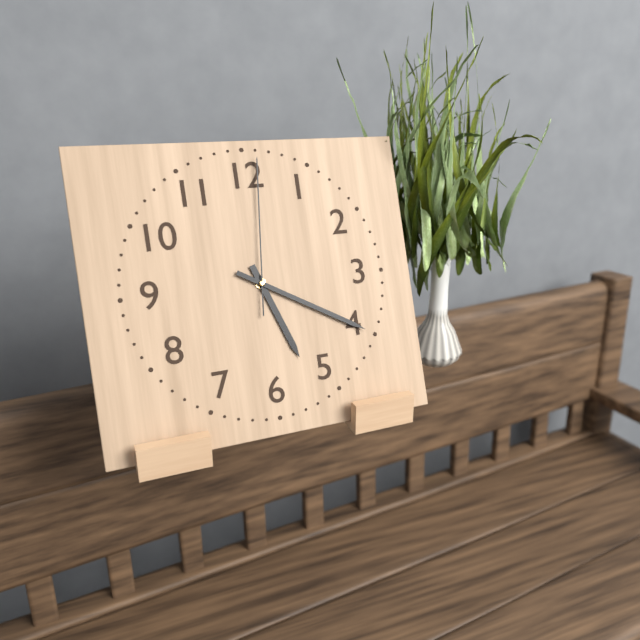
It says 5 h 20 min 01 s
